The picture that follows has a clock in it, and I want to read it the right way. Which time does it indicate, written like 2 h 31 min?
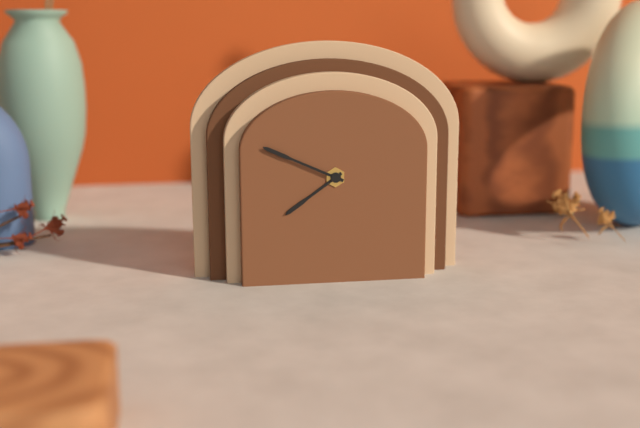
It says 7 h 49 min
